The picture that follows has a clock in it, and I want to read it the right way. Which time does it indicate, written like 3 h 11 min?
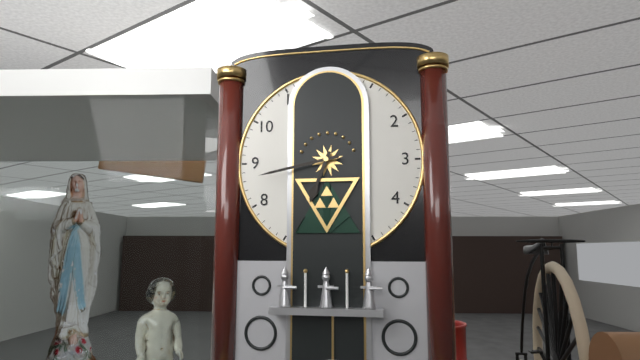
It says 6 h 43 min
